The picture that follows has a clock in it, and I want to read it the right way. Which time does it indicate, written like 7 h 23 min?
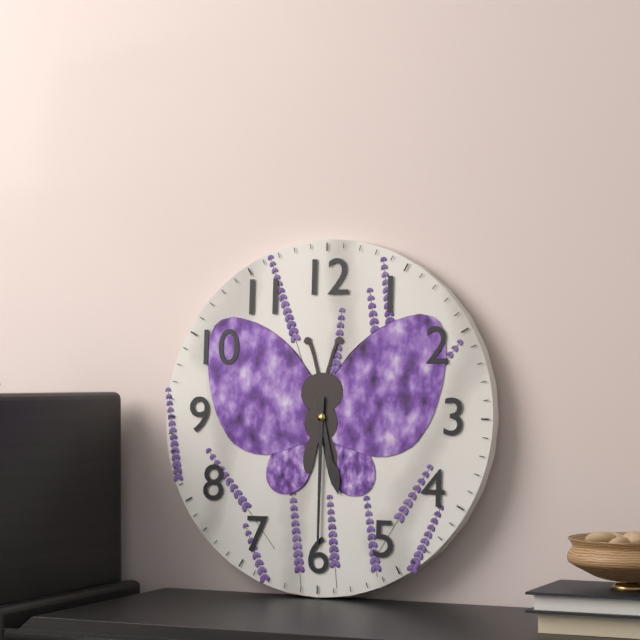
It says 5 h 30 min
